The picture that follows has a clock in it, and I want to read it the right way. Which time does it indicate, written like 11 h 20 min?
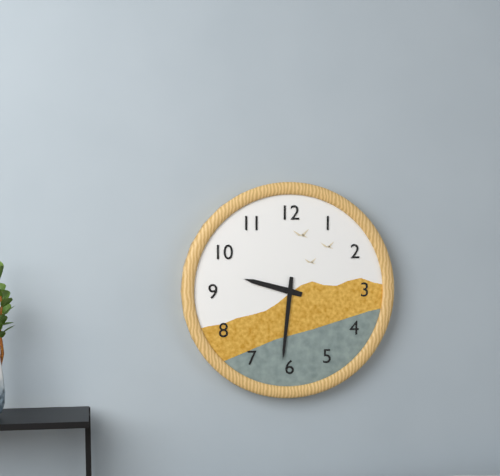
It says 9 h 31 min
